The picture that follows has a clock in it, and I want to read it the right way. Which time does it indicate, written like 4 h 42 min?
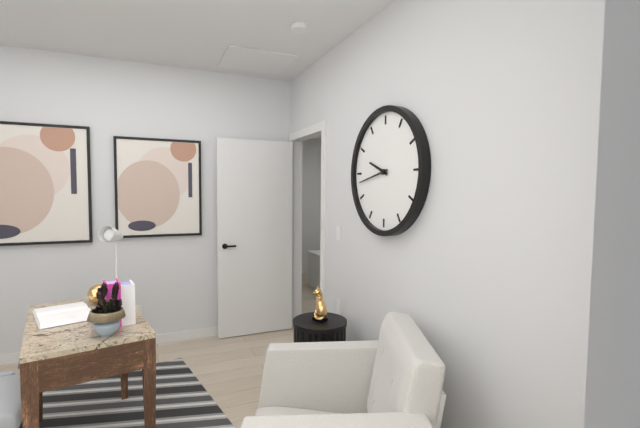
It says 9 h 43 min
